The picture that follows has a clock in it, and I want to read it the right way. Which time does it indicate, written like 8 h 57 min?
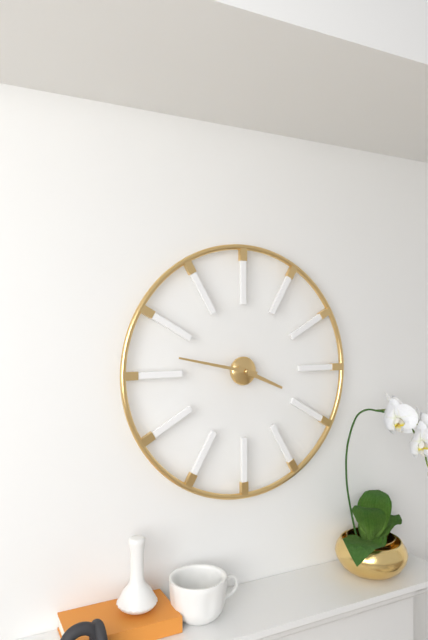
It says 3 h 47 min
